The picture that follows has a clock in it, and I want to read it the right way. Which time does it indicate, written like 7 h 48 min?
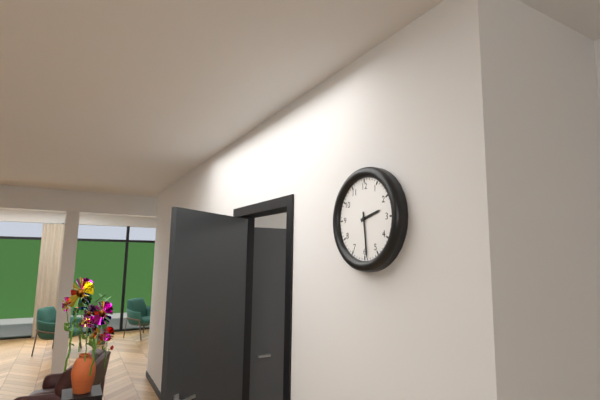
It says 2 h 29 min
